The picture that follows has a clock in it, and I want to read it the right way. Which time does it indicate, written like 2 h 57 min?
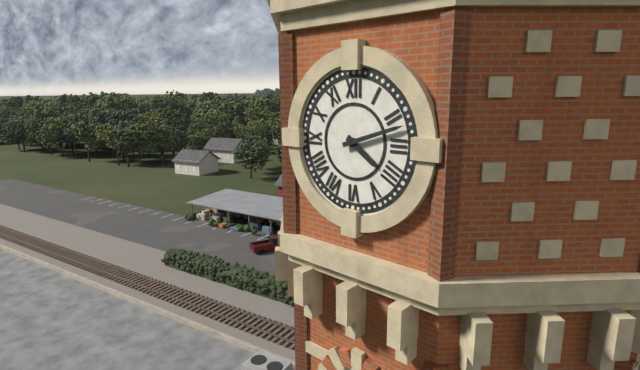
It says 4 h 12 min
